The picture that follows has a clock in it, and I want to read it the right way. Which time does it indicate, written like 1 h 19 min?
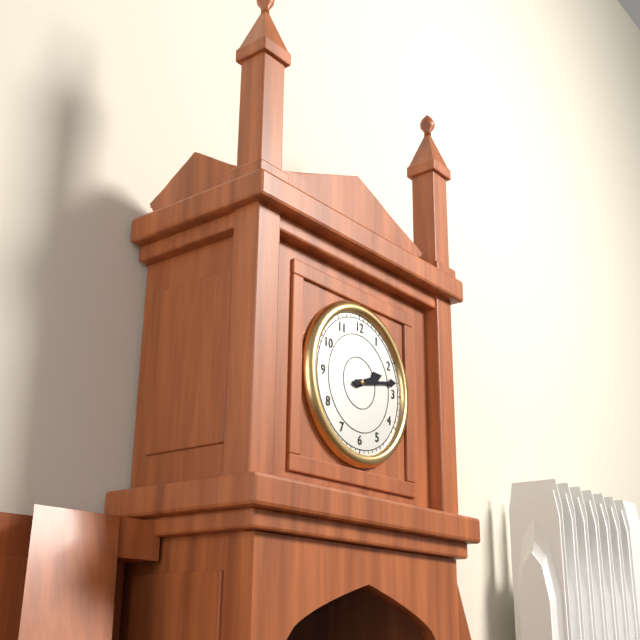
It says 2 h 13 min
